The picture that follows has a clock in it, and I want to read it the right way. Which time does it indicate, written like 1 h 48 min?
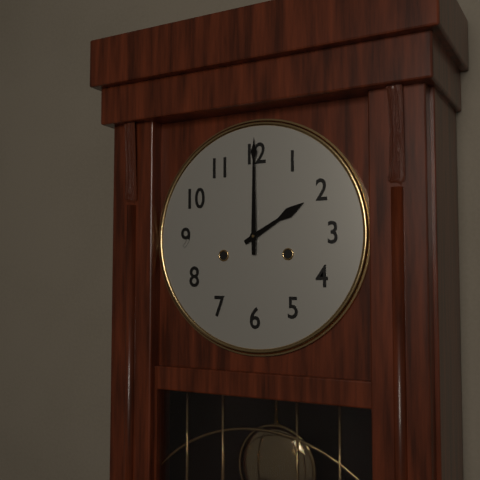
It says 2 h 00 min
